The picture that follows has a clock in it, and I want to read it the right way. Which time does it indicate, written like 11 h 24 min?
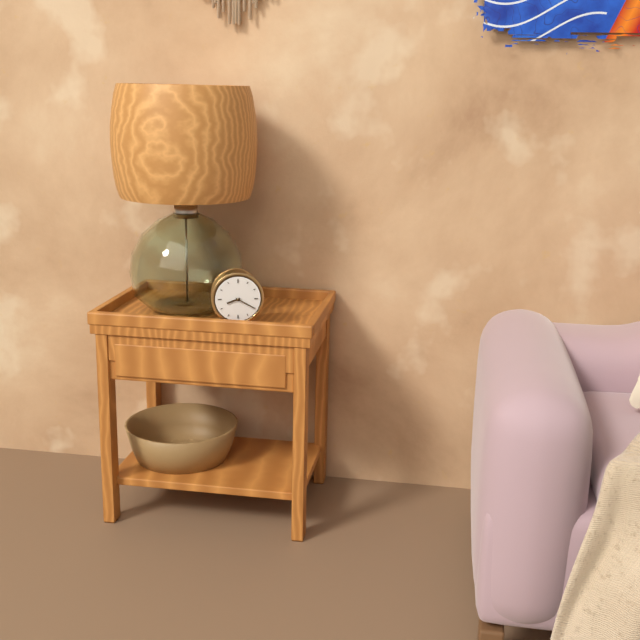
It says 8 h 20 min
